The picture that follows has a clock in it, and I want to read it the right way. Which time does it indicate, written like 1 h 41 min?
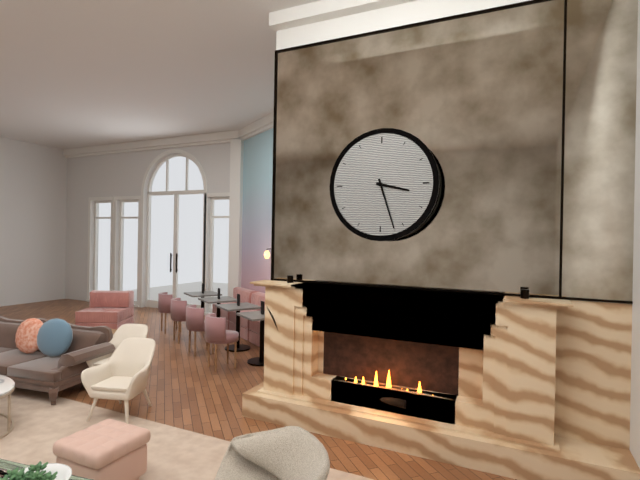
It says 3 h 27 min
